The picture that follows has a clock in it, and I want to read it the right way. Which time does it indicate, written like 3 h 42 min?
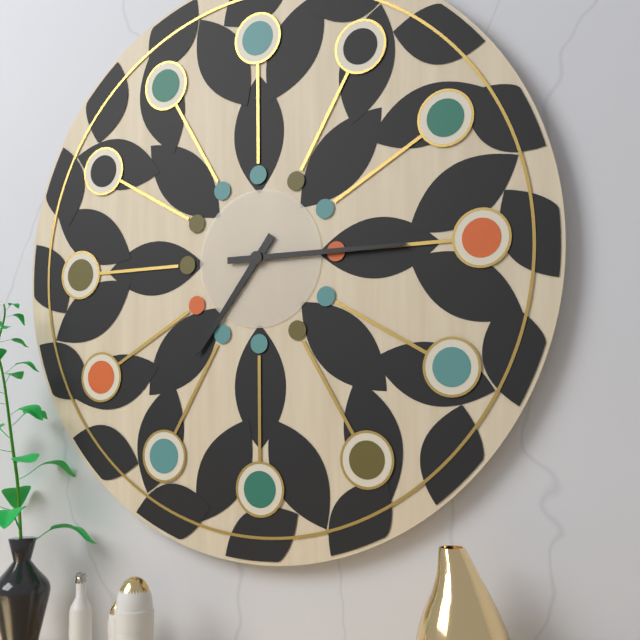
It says 7 h 15 min
